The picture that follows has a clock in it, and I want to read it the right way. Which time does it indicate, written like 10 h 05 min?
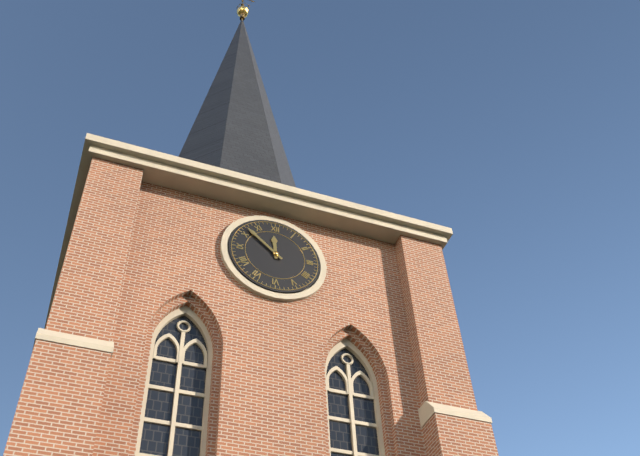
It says 11 h 52 min
